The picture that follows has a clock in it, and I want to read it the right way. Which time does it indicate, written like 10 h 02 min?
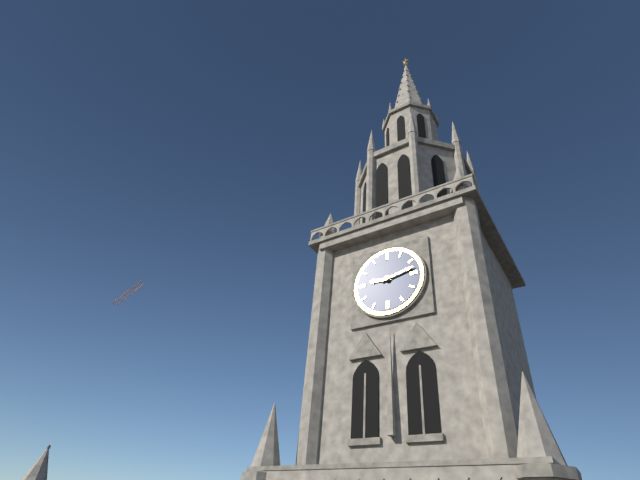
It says 9 h 13 min
